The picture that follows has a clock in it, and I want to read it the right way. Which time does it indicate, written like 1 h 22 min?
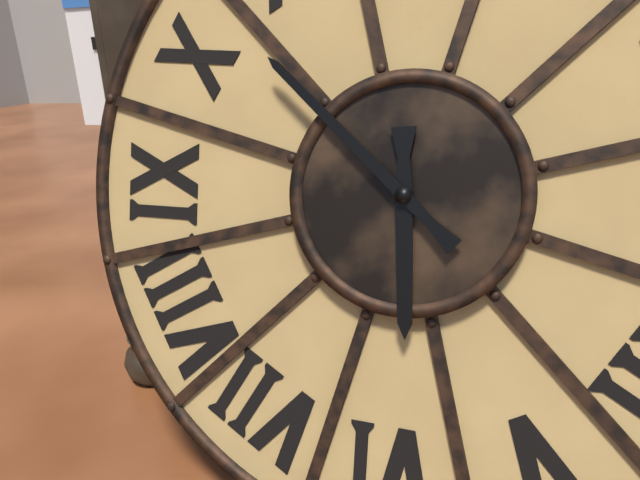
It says 5 h 52 min
